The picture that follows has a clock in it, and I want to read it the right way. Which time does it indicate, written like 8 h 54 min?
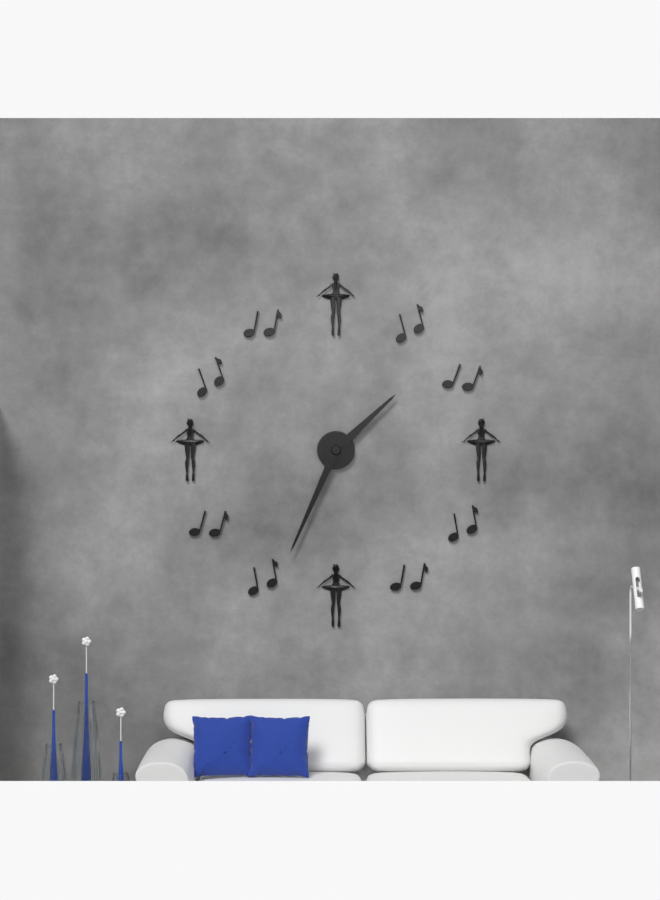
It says 1 h 34 min
